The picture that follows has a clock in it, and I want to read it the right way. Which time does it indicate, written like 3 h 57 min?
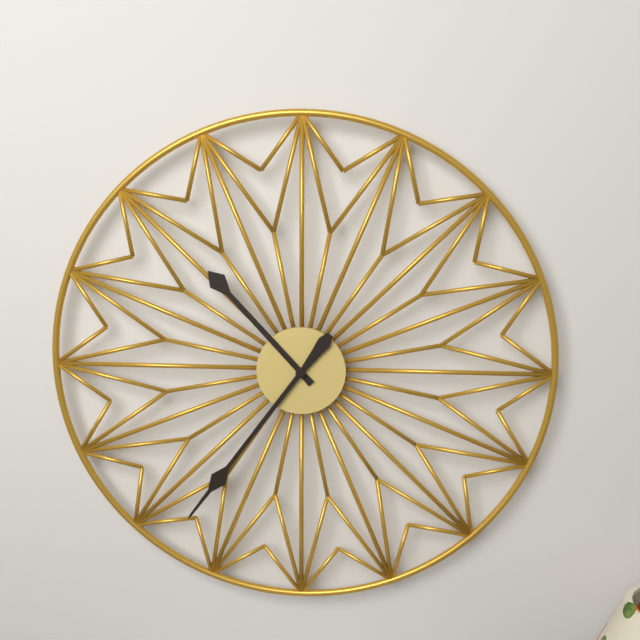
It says 10 h 36 min
